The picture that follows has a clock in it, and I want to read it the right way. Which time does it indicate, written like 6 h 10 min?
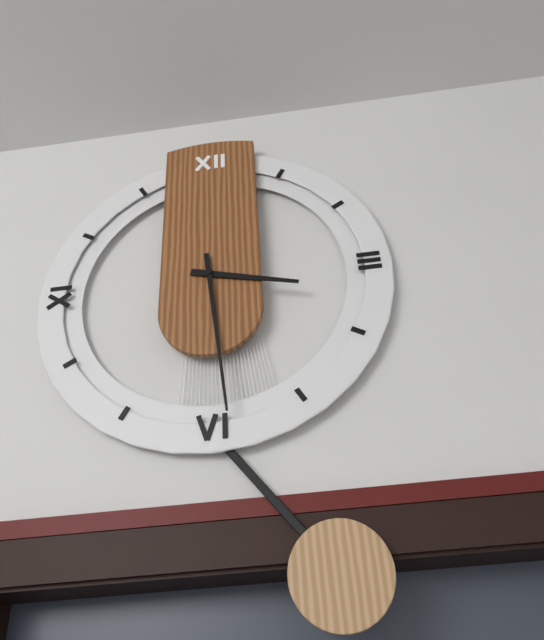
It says 3 h 29 min
